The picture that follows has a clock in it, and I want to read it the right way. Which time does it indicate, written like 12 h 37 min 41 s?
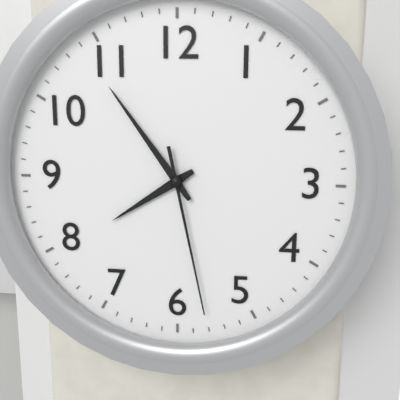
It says 7 h 54 min 28 s
